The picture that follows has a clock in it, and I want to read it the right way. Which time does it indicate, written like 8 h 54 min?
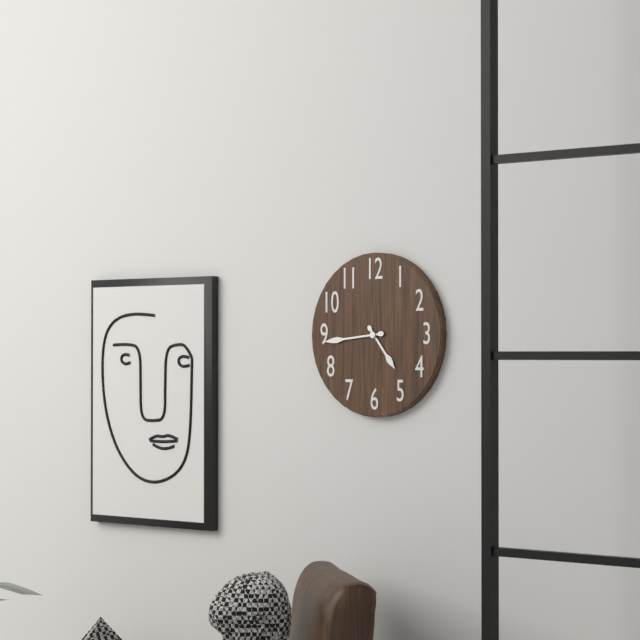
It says 4 h 44 min
